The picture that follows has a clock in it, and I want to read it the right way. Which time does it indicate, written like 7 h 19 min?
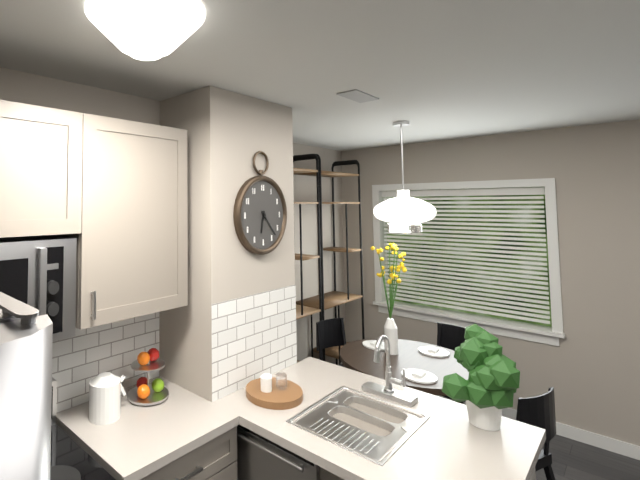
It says 6 h 23 min
